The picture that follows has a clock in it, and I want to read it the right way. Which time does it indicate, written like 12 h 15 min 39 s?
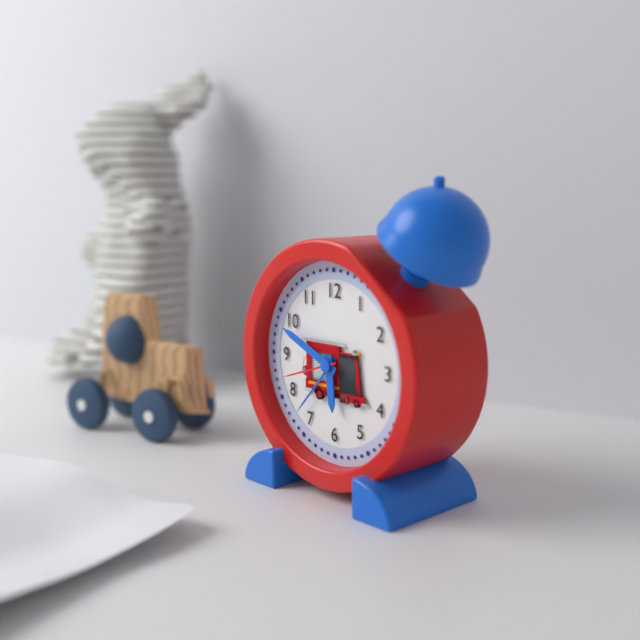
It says 5 h 49 min 42 s
